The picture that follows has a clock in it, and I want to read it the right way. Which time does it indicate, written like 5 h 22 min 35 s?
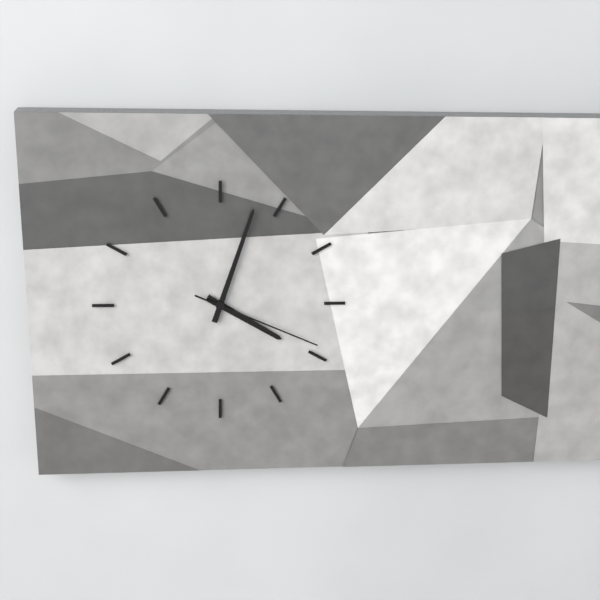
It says 4 h 03 min 19 s
